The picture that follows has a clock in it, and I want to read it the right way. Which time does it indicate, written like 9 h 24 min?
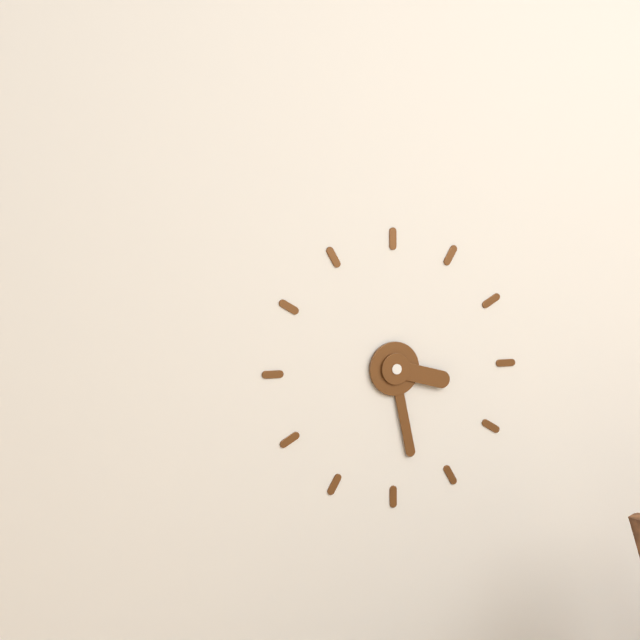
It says 3 h 28 min
